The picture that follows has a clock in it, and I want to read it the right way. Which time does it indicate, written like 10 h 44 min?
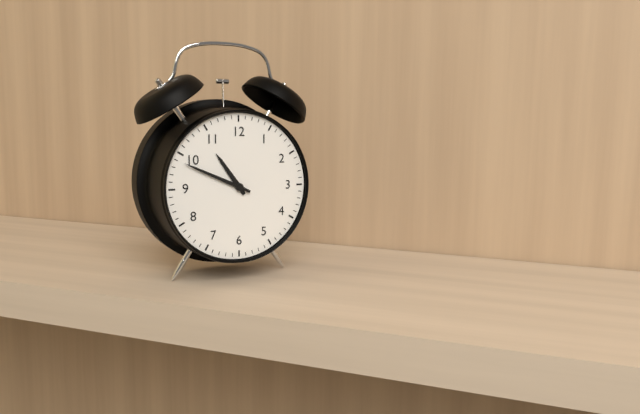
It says 10 h 49 min
